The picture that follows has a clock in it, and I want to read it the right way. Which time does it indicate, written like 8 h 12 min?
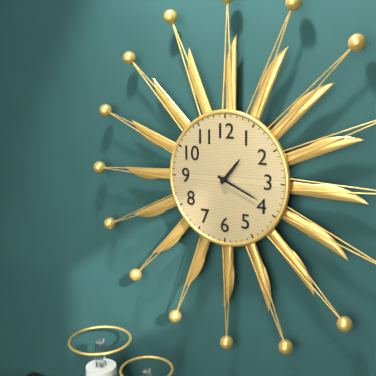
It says 1 h 19 min
